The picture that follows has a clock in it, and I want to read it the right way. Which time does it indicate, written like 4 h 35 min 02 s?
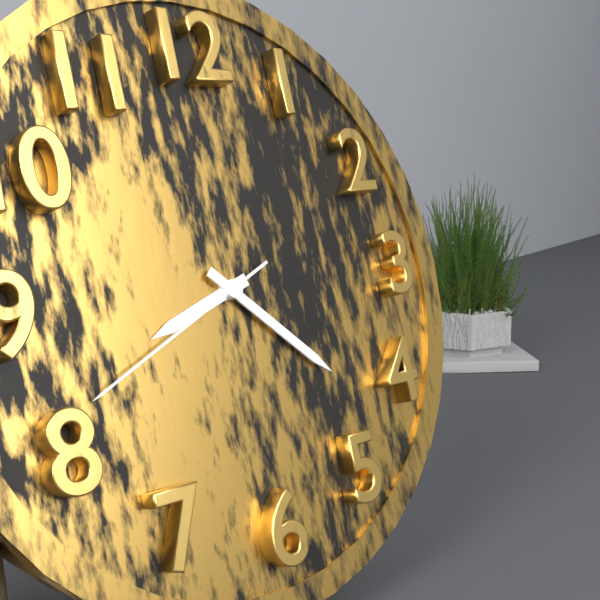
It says 8 h 22 min 41 s
